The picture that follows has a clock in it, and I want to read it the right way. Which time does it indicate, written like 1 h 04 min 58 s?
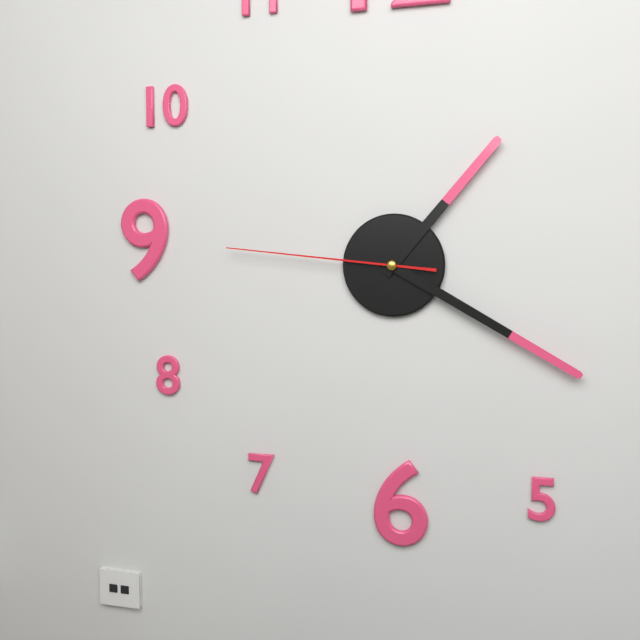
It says 1 h 20 min 46 s
